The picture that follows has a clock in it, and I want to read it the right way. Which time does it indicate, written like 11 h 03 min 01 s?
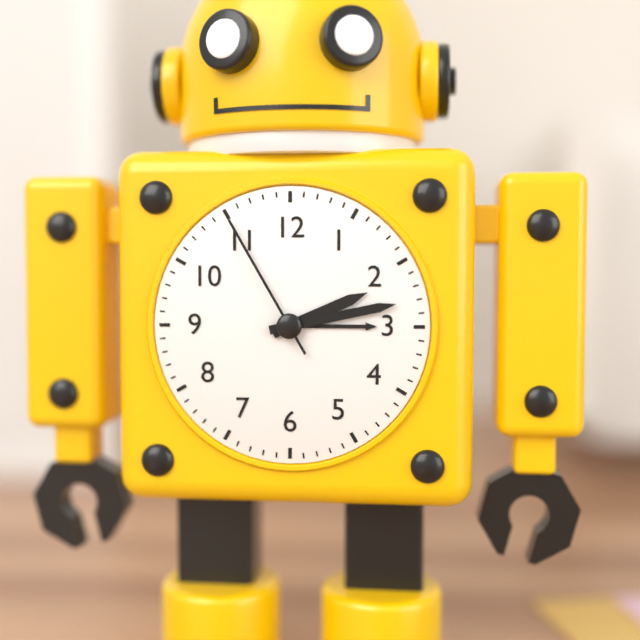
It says 2 h 13 min 55 s
